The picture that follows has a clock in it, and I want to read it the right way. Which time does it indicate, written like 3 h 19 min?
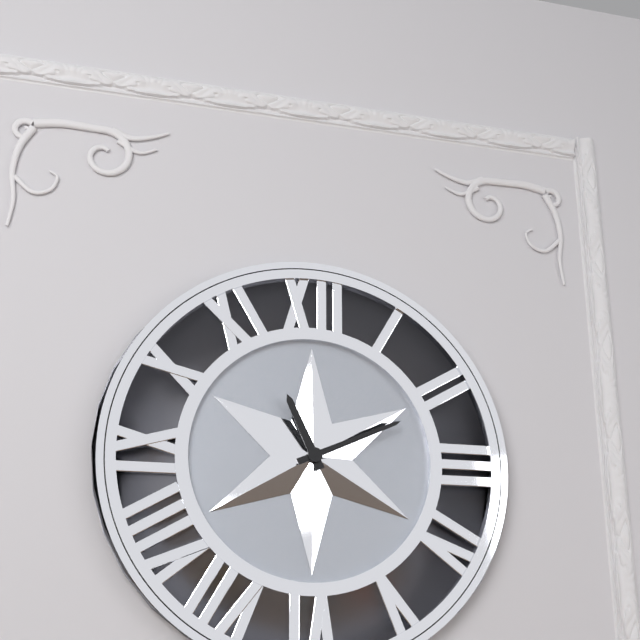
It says 11 h 11 min
